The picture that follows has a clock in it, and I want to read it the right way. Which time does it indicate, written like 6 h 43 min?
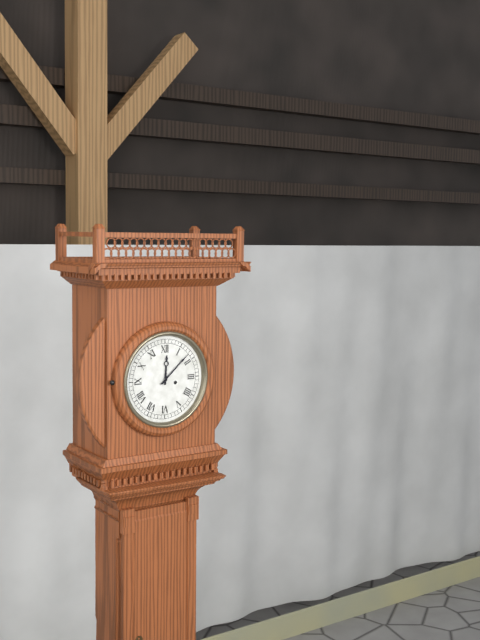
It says 12 h 08 min
